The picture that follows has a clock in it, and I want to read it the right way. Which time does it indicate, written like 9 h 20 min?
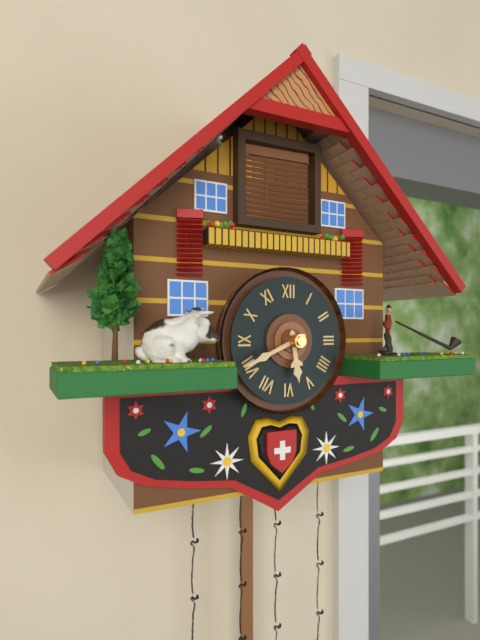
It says 5 h 41 min
